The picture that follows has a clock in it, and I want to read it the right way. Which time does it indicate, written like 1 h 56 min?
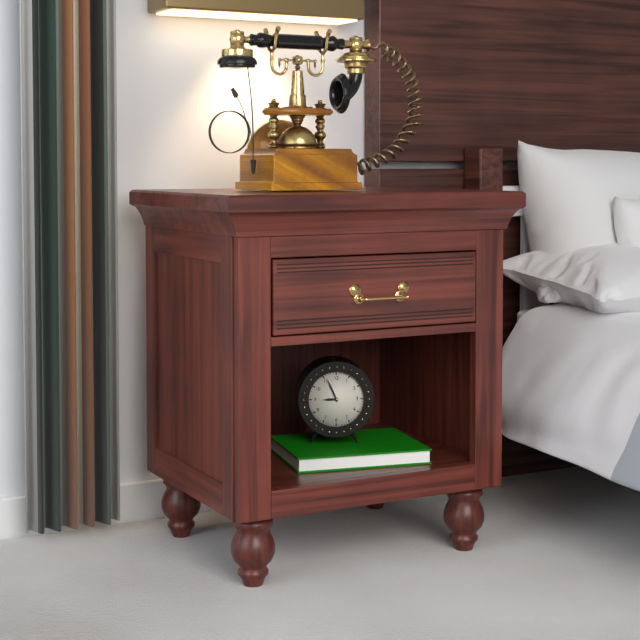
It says 8 h 56 min
